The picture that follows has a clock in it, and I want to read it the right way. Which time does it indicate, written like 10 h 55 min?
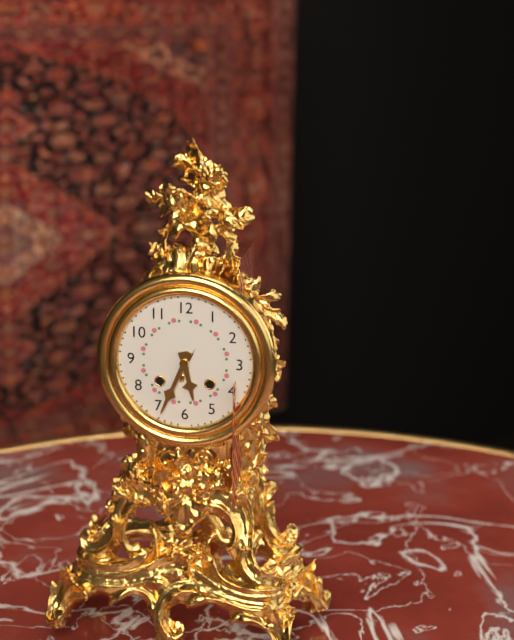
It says 5 h 34 min
